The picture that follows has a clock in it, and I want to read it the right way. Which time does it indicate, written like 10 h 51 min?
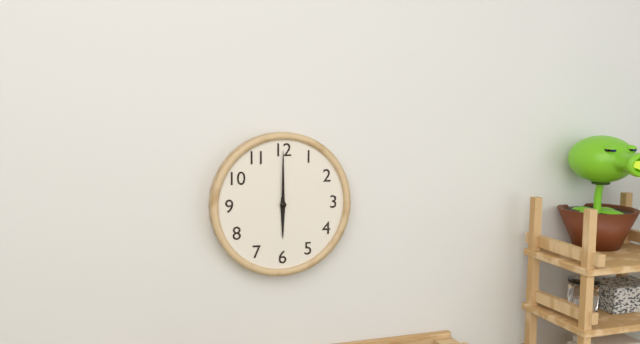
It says 6 h 00 min
